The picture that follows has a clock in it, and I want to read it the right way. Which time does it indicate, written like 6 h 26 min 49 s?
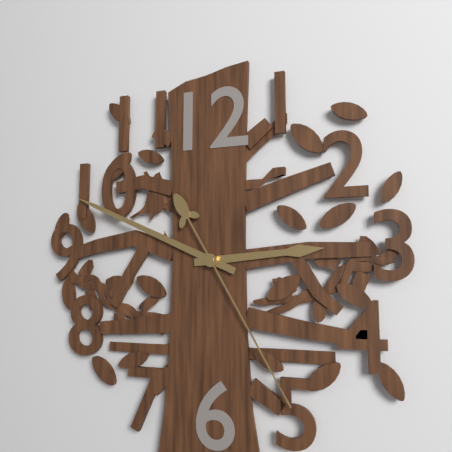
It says 2 h 49 min 25 s
